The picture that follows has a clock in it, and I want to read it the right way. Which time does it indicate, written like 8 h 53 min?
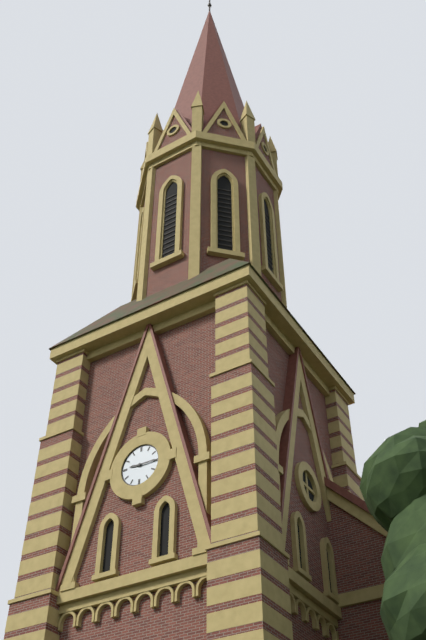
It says 9 h 15 min
